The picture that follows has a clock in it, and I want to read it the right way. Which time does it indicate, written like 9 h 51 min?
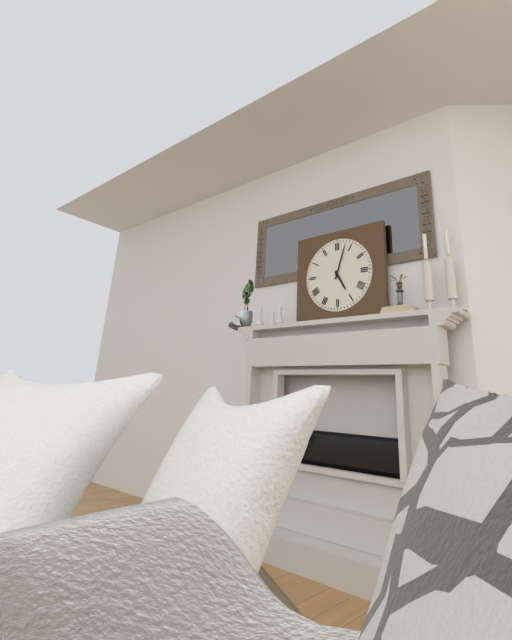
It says 5 h 03 min
